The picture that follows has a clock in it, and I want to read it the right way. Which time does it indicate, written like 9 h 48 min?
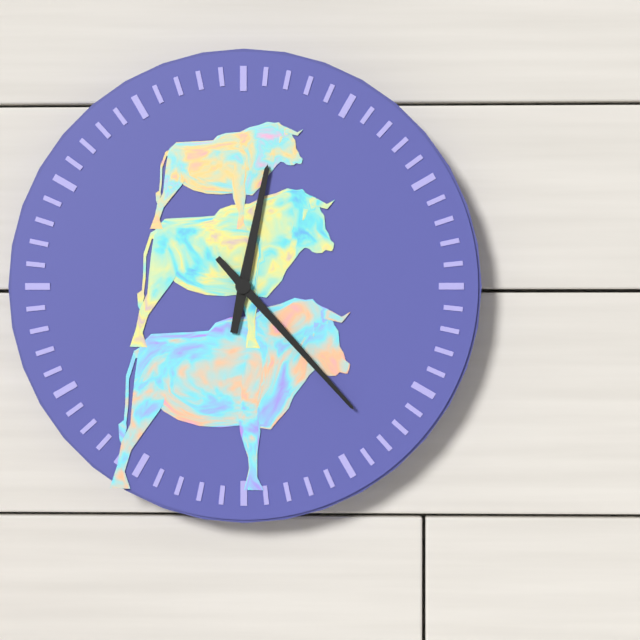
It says 12 h 23 min
